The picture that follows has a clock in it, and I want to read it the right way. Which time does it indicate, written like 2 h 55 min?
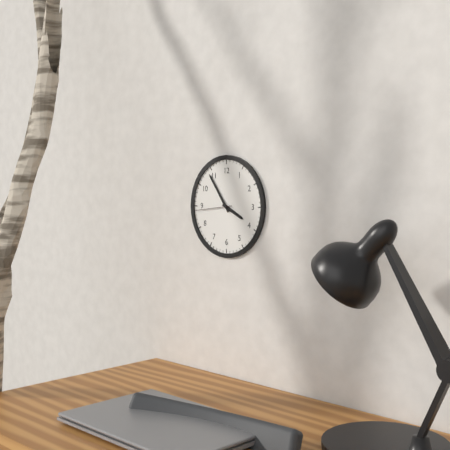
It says 3 h 54 min
